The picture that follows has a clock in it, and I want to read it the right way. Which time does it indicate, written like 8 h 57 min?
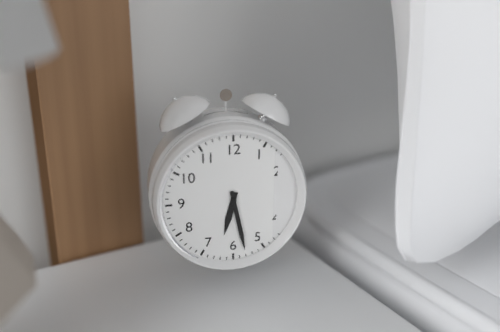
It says 6 h 28 min
